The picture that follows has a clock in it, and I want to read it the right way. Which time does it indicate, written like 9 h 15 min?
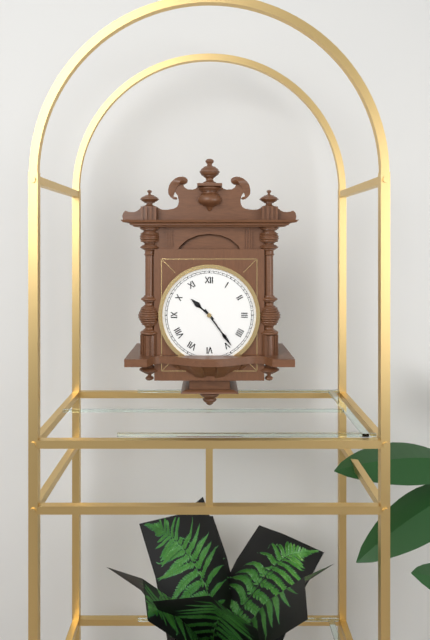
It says 10 h 24 min
